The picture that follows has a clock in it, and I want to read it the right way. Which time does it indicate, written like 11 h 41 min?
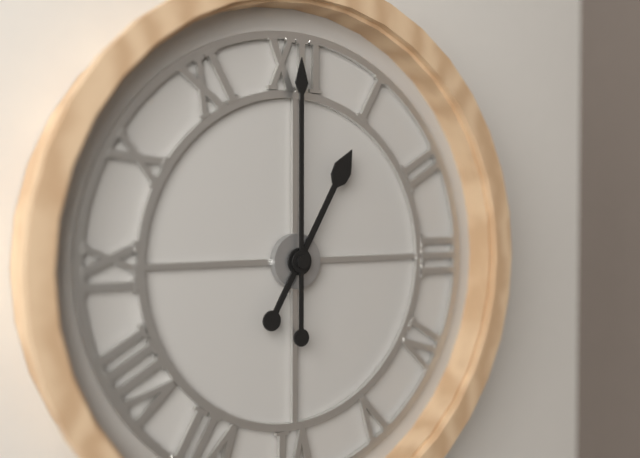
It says 1 h 00 min
